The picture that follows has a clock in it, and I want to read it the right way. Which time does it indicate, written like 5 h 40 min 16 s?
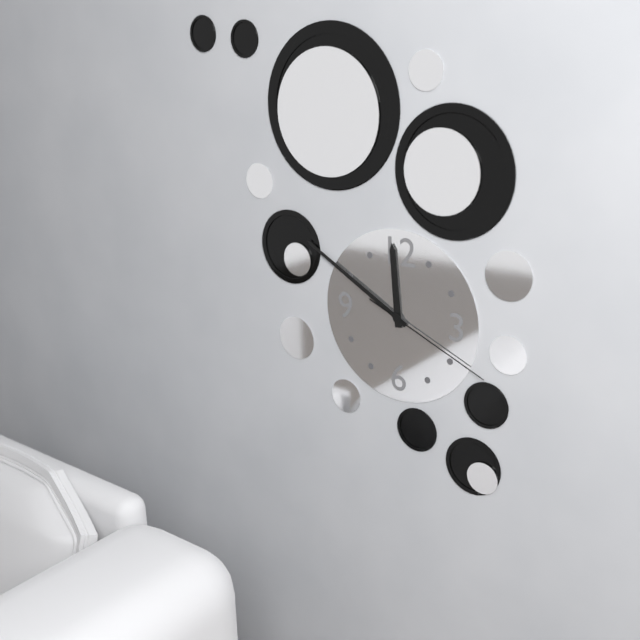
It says 11 h 50 min 19 s
